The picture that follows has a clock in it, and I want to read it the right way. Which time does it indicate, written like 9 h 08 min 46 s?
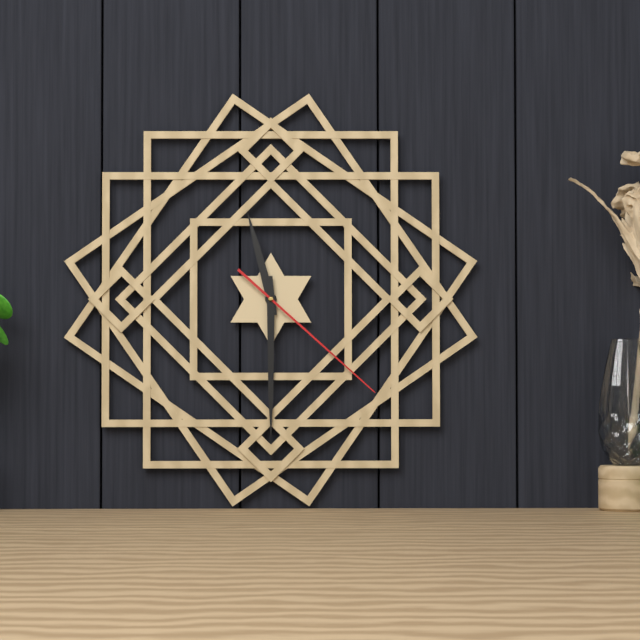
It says 11 h 30 min 22 s
